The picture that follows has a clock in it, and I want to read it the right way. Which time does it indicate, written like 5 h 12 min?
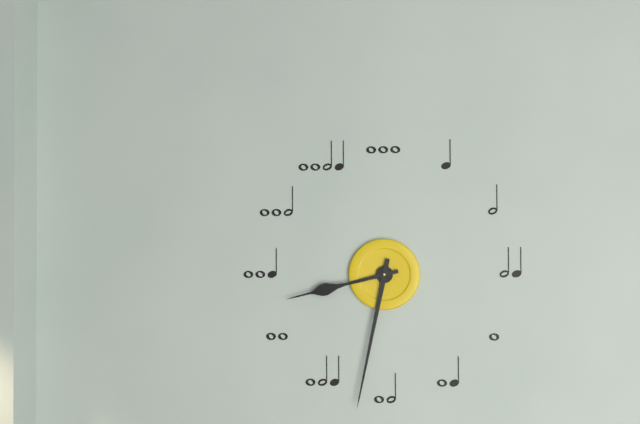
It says 8 h 32 min
